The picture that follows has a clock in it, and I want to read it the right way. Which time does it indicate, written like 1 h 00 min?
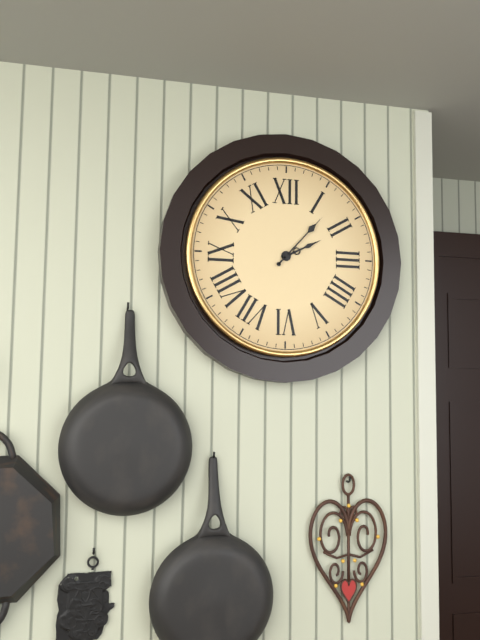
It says 2 h 07 min
